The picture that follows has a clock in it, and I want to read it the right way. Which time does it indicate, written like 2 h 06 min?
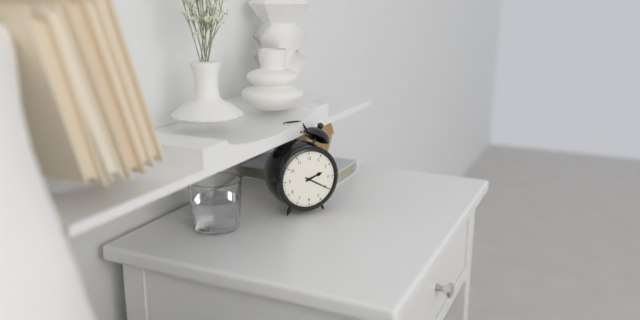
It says 2 h 20 min
